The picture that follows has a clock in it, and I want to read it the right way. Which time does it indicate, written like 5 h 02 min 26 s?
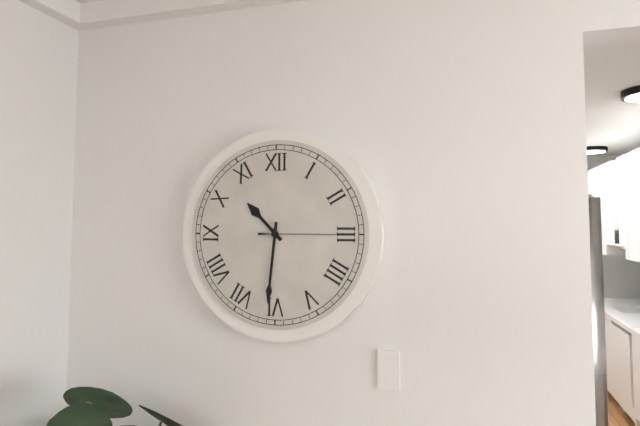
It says 10 h 31 min 15 s
